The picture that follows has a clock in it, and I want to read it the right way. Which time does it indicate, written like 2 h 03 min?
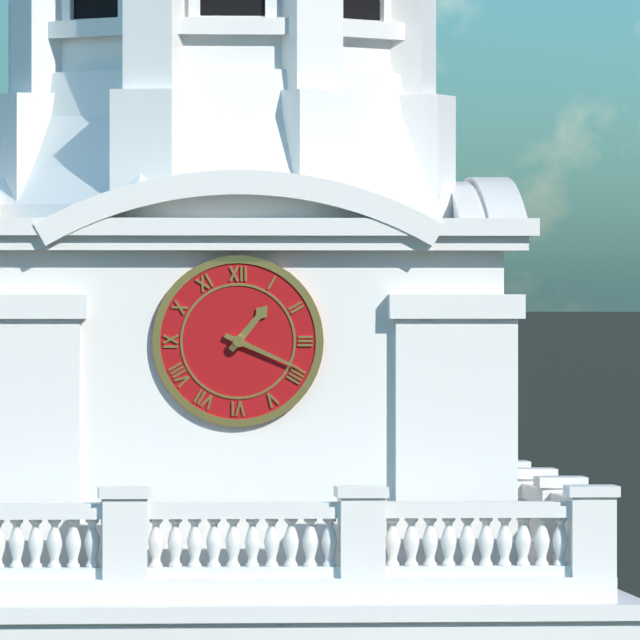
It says 1 h 19 min
